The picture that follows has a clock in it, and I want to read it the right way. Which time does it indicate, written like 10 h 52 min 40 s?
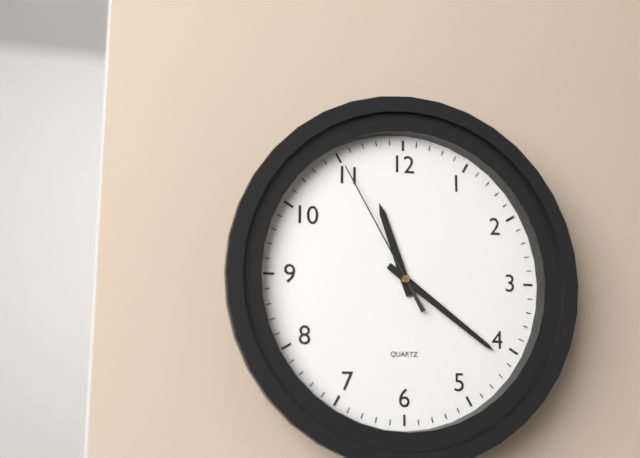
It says 11 h 21 min 55 s
